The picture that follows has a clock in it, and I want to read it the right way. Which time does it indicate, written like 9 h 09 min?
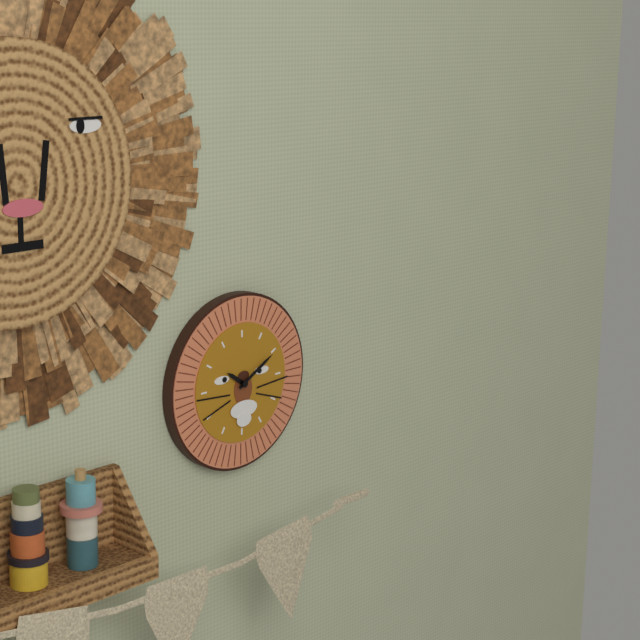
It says 10 h 10 min
